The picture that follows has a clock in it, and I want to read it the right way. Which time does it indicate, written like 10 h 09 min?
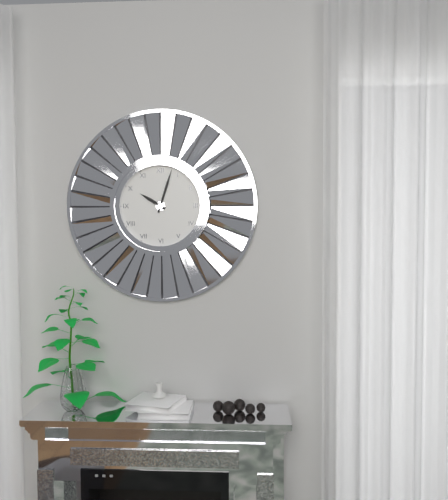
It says 10 h 03 min
